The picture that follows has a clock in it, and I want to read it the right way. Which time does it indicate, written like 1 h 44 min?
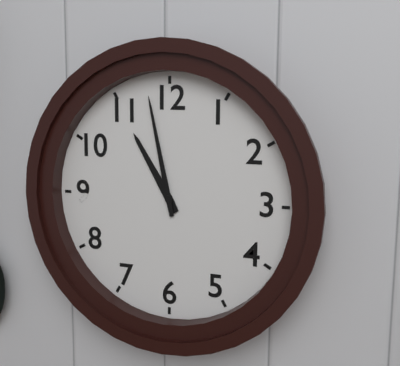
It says 10 h 58 min
